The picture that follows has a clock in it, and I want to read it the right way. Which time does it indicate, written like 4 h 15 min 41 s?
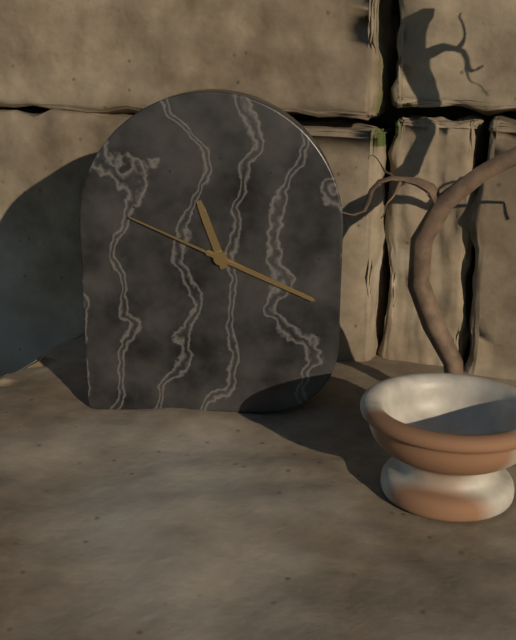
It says 11 h 19 min 49 s
